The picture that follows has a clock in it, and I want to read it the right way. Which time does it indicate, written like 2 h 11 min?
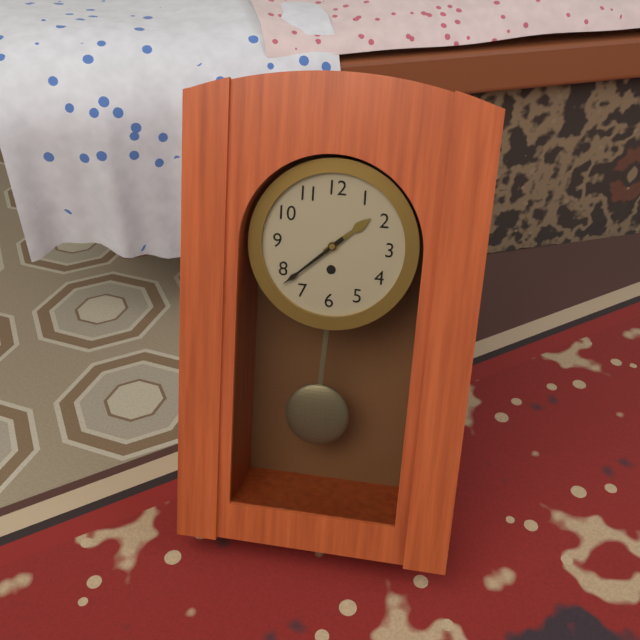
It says 1 h 38 min
